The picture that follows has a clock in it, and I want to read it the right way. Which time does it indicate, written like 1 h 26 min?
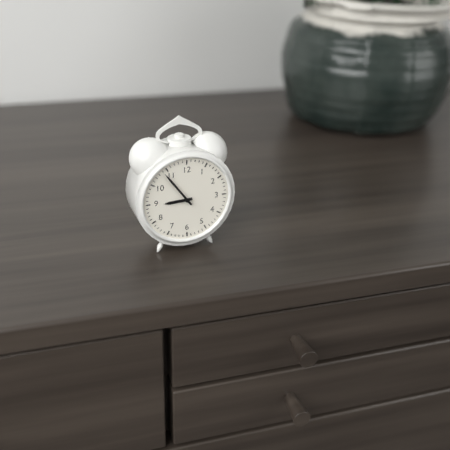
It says 8 h 54 min
